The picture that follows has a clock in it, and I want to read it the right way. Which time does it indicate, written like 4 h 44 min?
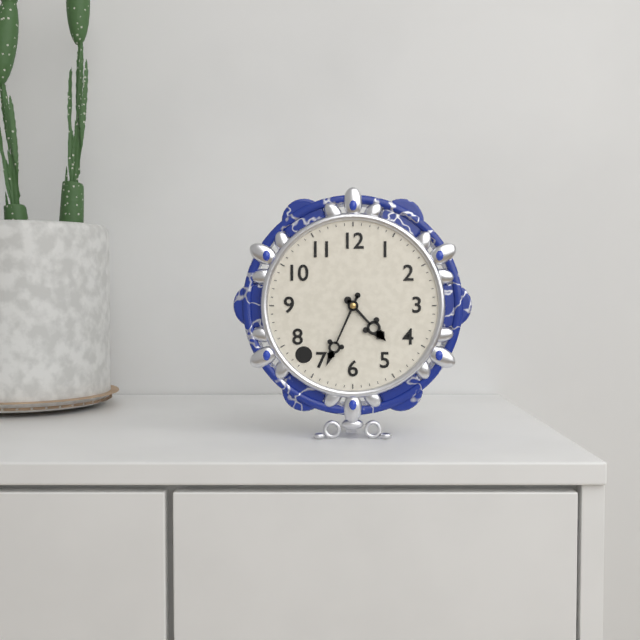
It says 4 h 34 min
